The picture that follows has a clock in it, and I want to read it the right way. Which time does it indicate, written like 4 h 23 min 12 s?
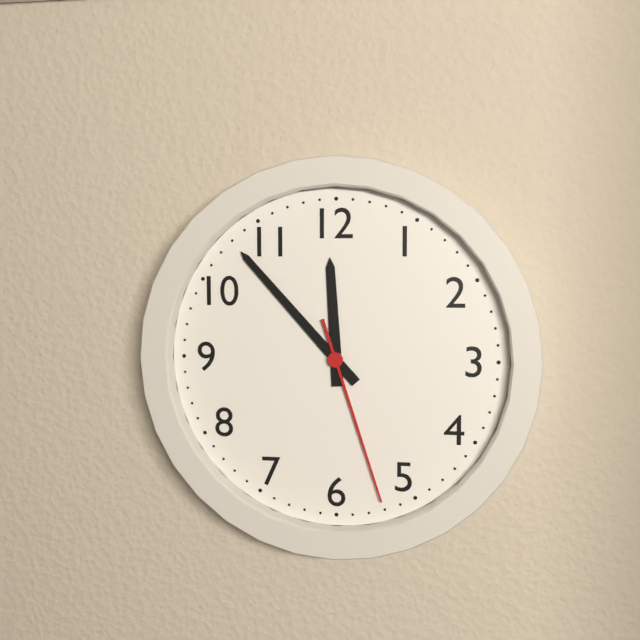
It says 11 h 53 min 27 s
